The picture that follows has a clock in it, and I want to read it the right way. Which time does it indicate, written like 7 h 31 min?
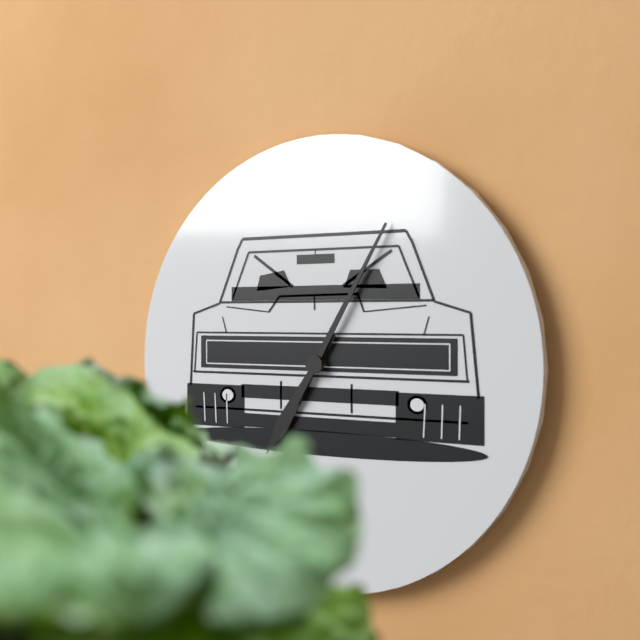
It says 7 h 05 min
